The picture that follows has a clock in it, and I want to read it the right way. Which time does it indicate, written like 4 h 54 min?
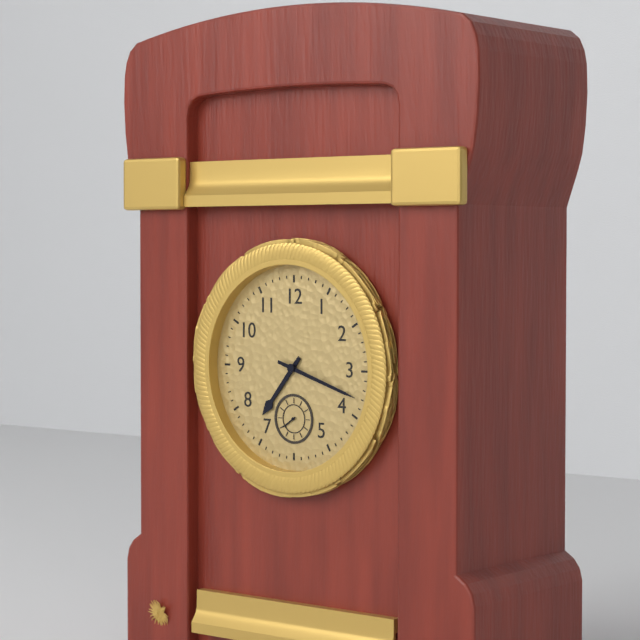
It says 7 h 18 min
